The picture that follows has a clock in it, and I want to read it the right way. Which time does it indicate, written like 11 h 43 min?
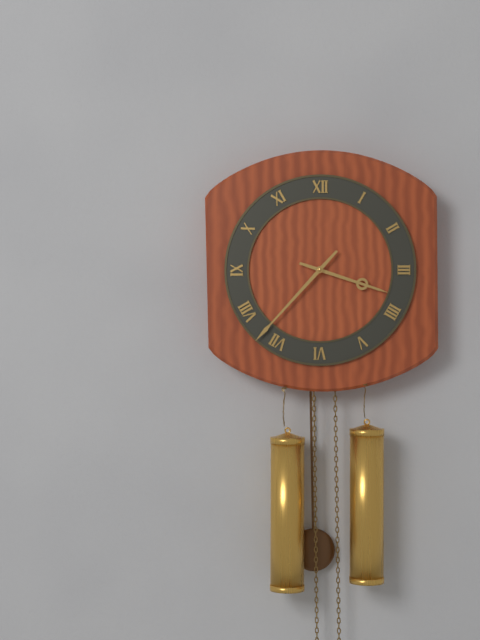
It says 3 h 37 min
